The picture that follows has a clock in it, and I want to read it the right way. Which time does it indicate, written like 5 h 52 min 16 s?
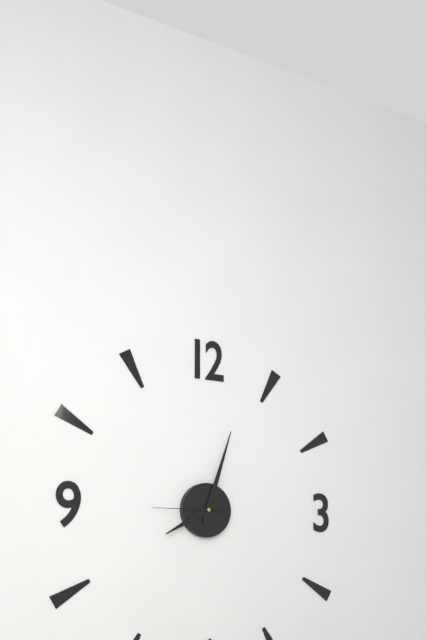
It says 8 h 03 min 45 s
